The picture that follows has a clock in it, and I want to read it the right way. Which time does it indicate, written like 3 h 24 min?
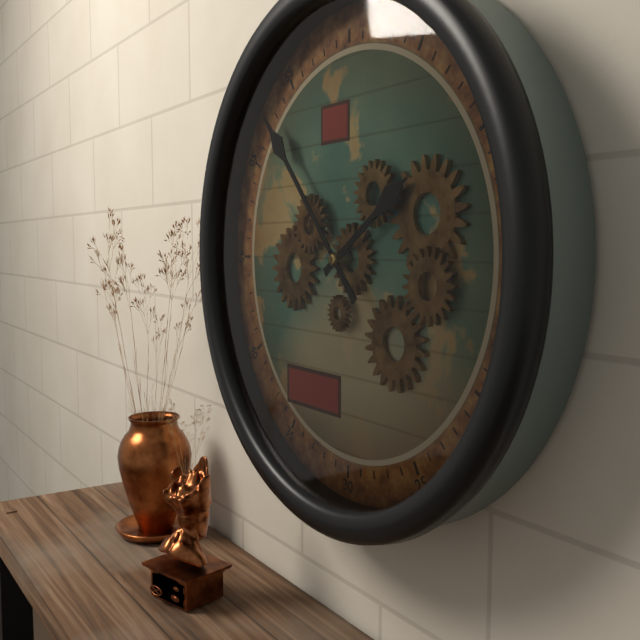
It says 1 h 53 min
